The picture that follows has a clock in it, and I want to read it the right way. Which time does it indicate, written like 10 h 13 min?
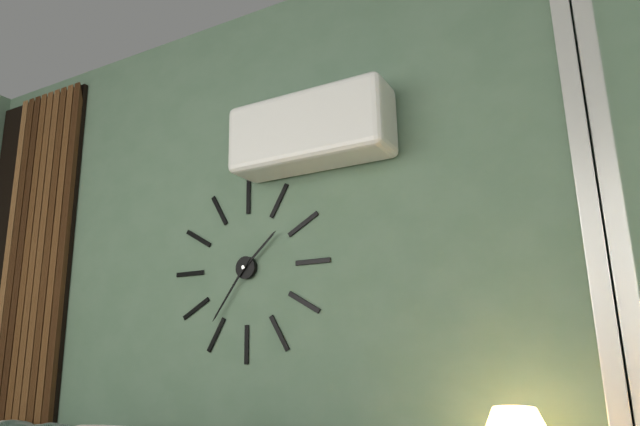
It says 1 h 36 min
